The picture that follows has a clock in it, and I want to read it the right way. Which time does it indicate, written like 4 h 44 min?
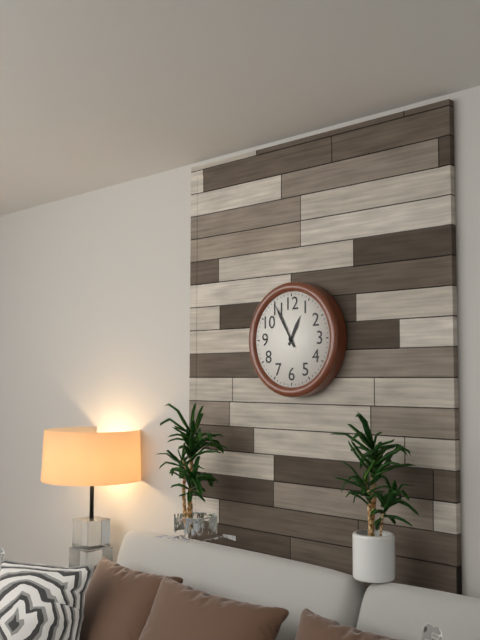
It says 12 h 55 min
